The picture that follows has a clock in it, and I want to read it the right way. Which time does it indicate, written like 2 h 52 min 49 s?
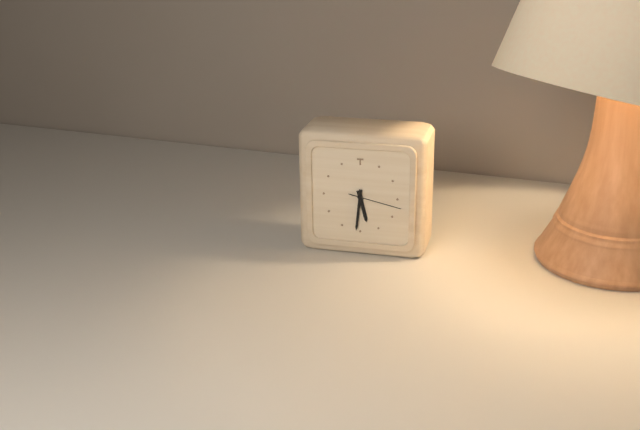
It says 5 h 31 min 17 s
